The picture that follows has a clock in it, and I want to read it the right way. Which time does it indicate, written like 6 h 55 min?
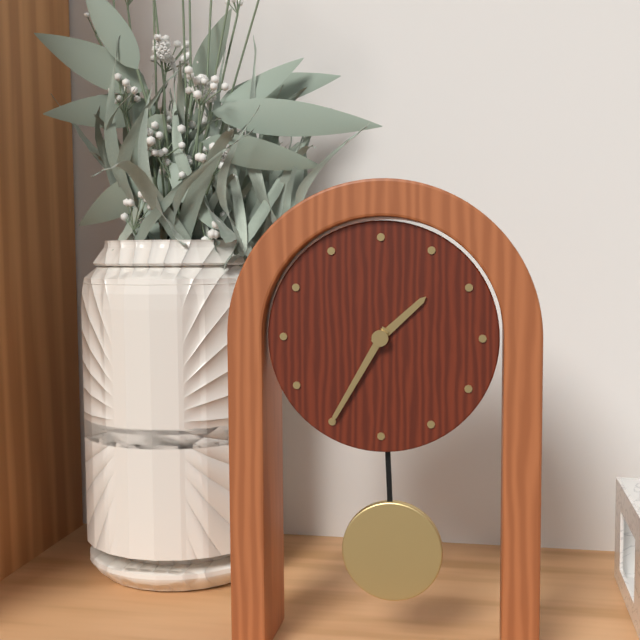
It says 1 h 35 min
